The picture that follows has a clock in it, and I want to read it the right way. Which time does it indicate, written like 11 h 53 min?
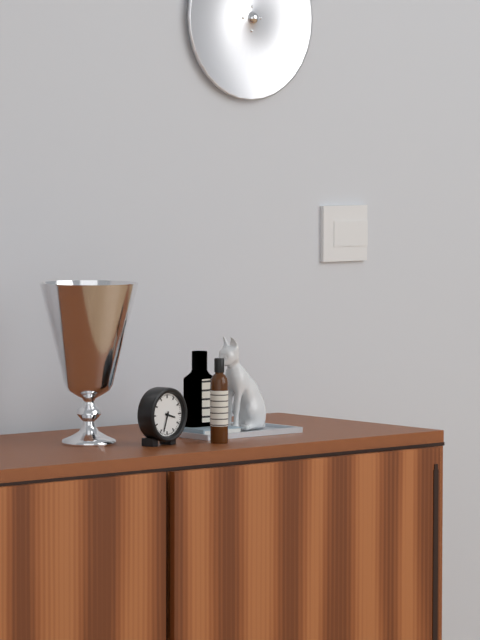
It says 3 h 33 min
